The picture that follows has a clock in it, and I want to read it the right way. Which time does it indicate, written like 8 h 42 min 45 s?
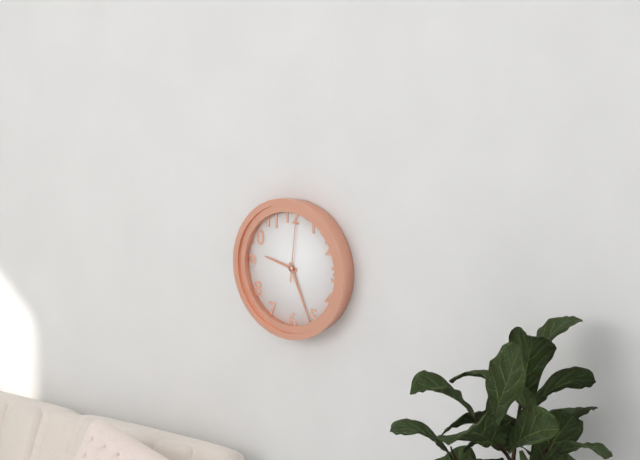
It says 9 h 26 min 01 s
